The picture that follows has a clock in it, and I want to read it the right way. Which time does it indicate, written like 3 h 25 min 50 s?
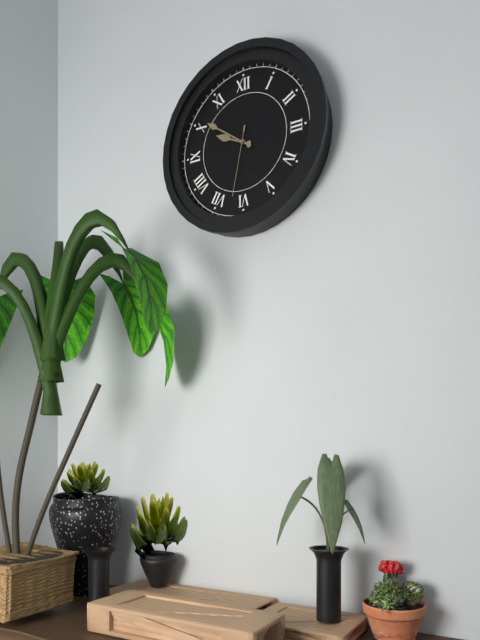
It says 9 h 51 min 32 s
